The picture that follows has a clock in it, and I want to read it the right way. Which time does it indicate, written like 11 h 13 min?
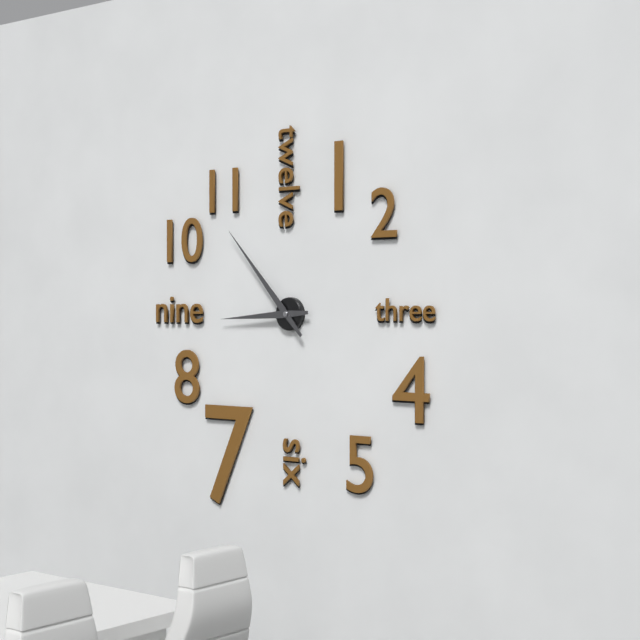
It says 8 h 53 min
